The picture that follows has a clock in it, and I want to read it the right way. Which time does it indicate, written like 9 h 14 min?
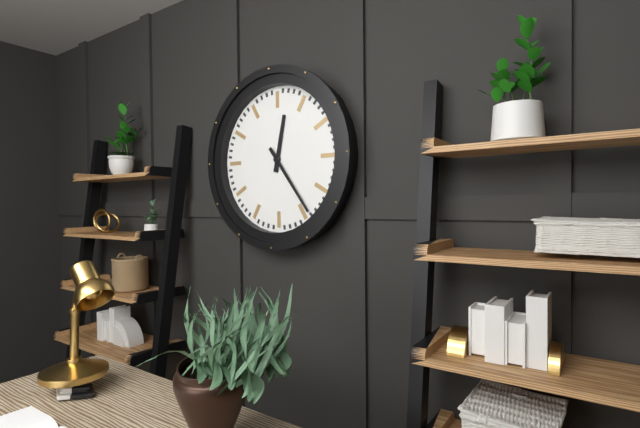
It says 12 h 24 min
